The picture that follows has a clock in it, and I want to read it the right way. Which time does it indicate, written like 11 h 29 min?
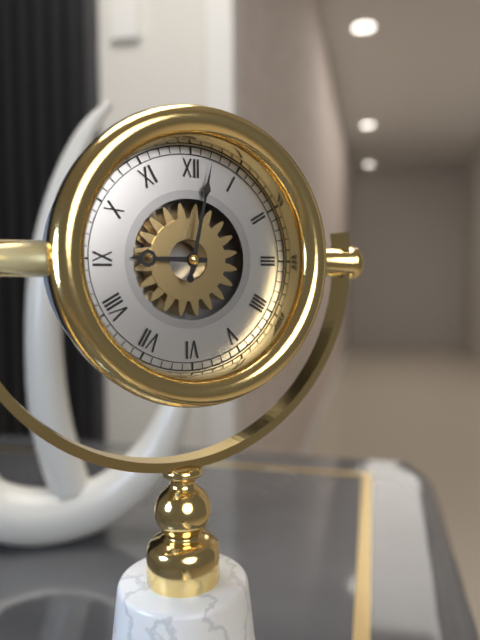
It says 9 h 02 min
